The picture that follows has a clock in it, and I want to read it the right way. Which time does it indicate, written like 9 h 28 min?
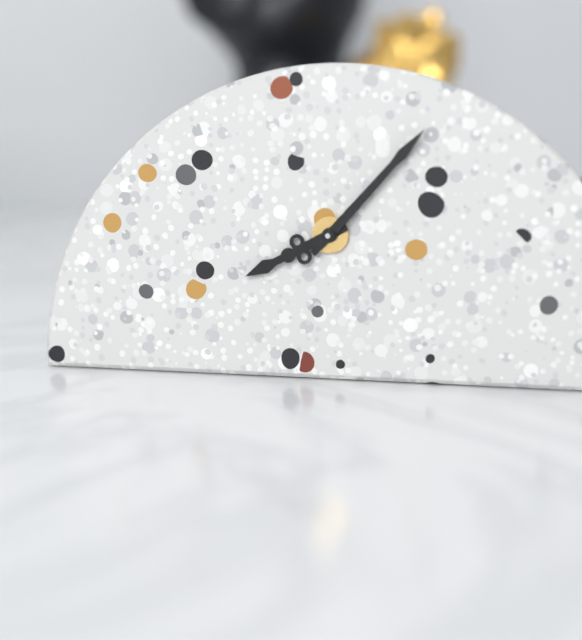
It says 8 h 07 min
